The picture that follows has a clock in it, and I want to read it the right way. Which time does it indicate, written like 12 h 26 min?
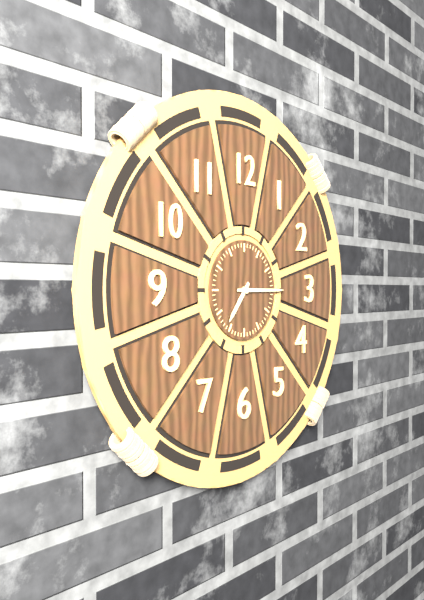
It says 7 h 15 min
